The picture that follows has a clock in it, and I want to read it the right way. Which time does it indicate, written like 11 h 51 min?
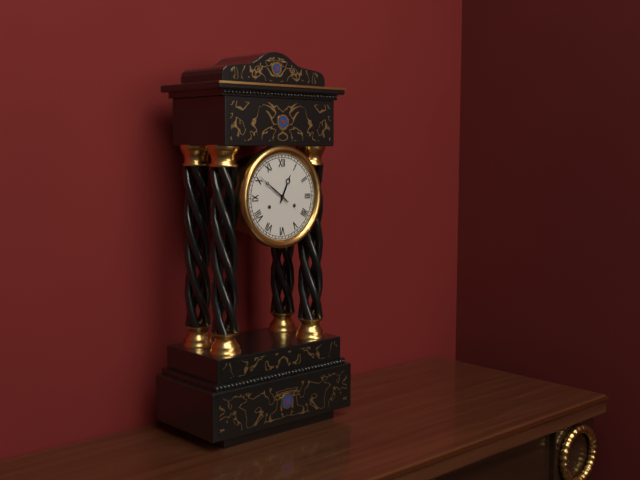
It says 12 h 51 min
